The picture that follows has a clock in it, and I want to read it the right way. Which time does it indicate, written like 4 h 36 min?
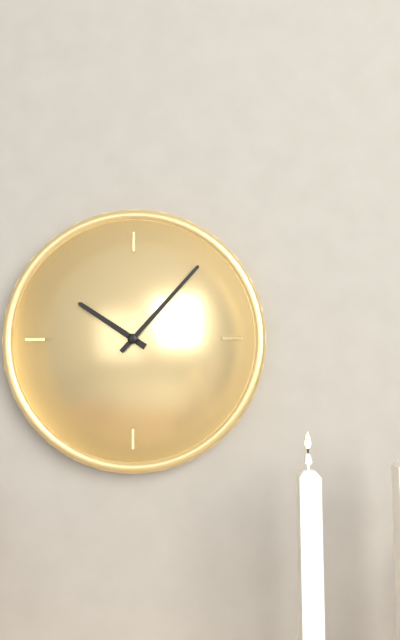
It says 10 h 07 min
